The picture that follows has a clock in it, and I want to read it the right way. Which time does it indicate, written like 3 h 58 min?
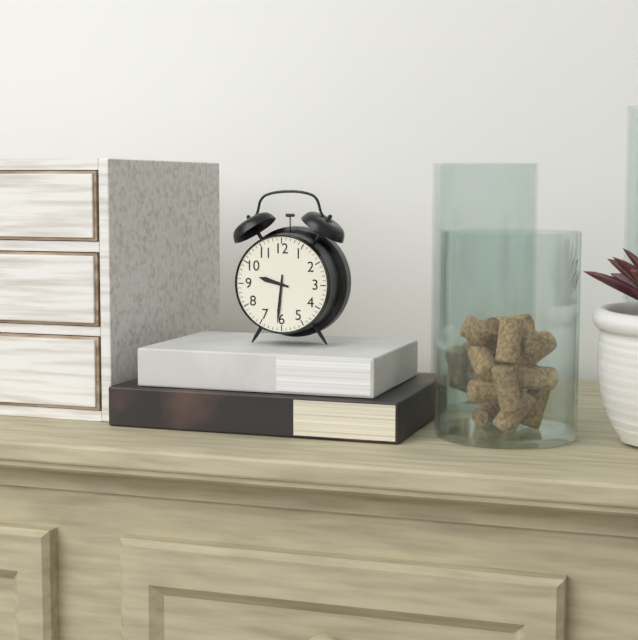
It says 9 h 31 min
